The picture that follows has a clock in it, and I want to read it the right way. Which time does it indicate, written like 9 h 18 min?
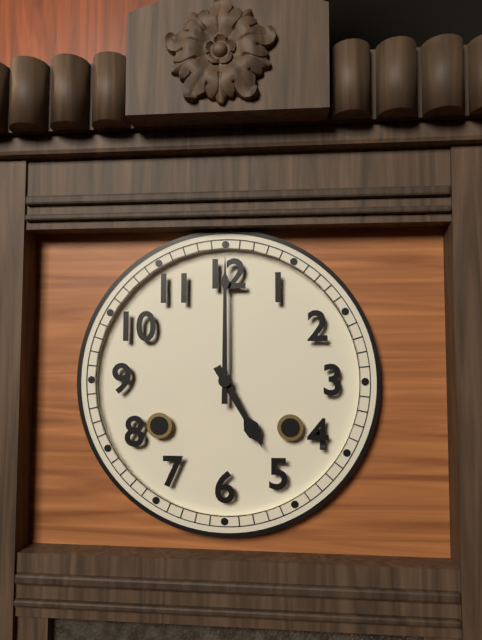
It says 5 h 00 min
